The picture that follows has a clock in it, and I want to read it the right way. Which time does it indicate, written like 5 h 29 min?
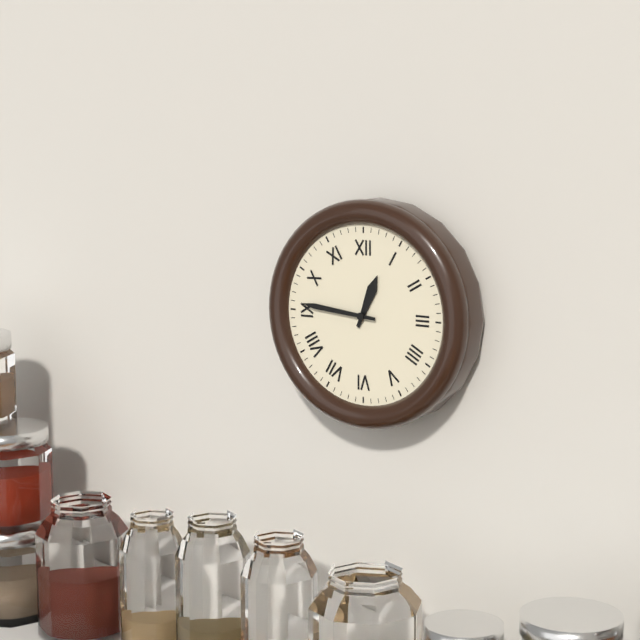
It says 12 h 46 min
